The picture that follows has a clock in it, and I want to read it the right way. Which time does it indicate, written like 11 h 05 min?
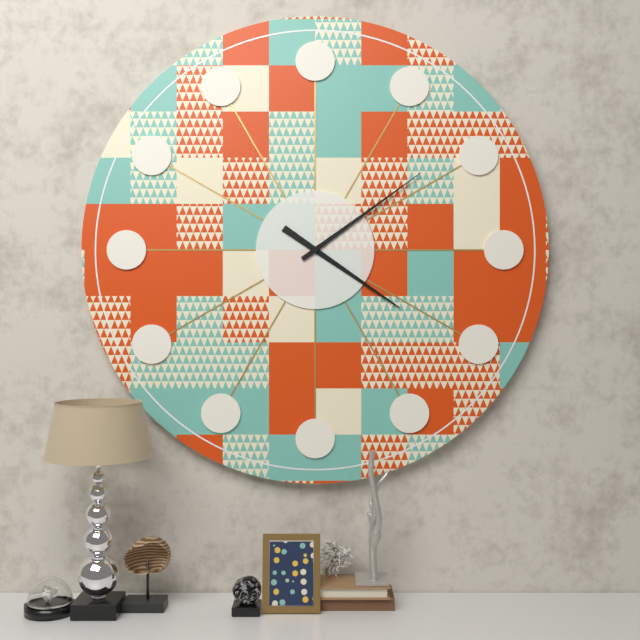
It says 4 h 09 min
